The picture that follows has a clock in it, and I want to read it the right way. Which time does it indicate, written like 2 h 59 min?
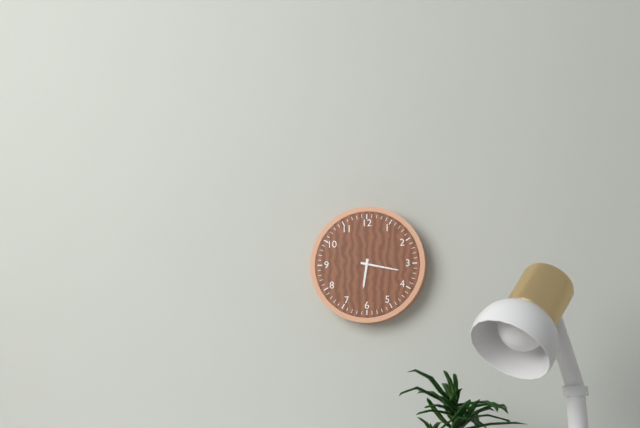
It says 6 h 17 min
